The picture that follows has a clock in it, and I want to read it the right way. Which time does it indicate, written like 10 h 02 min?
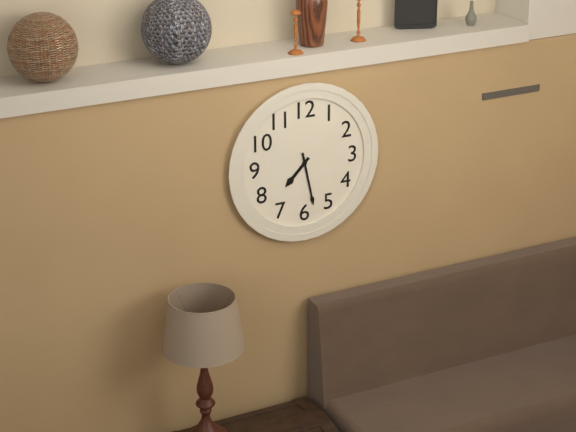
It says 7 h 28 min
